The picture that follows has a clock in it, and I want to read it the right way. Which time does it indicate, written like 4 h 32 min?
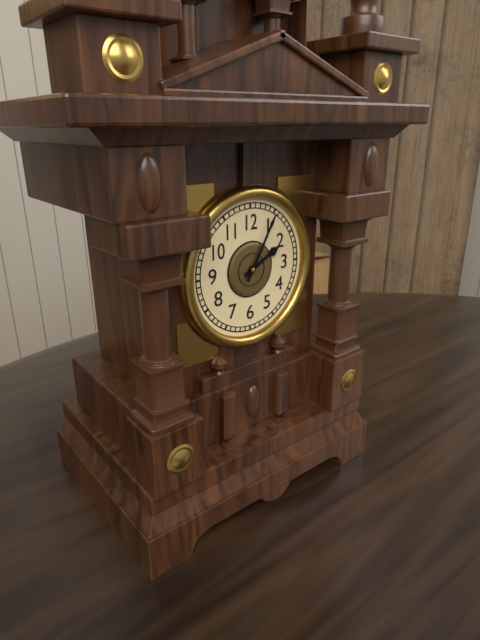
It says 2 h 05 min
